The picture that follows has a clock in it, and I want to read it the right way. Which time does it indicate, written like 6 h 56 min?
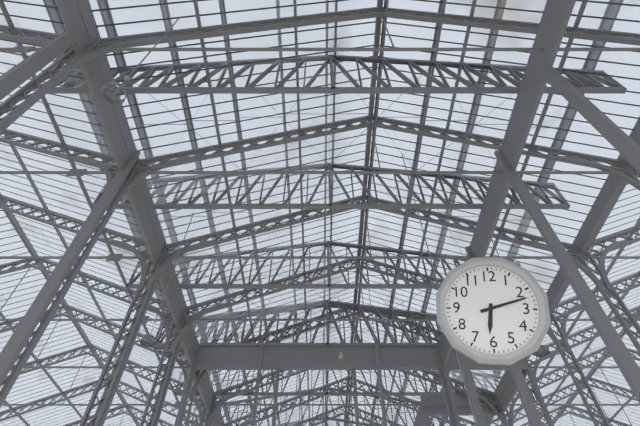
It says 6 h 12 min
